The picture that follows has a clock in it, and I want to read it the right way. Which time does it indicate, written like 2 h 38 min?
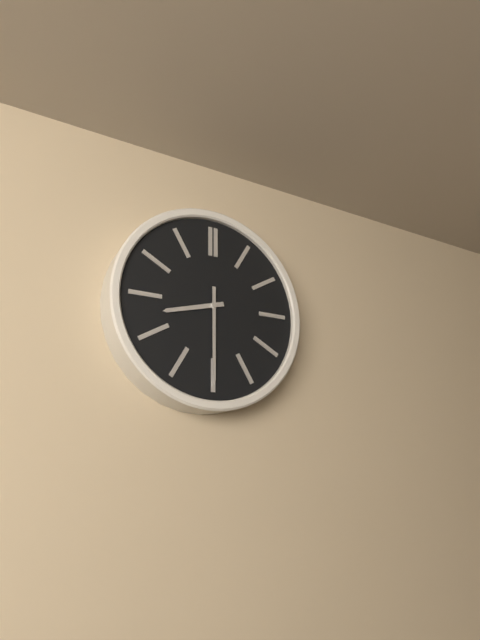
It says 8 h 30 min
